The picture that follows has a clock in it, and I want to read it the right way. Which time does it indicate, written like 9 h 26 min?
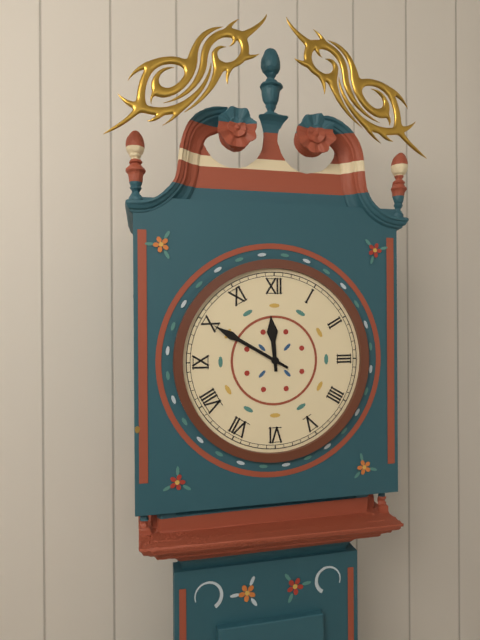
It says 11 h 50 min
